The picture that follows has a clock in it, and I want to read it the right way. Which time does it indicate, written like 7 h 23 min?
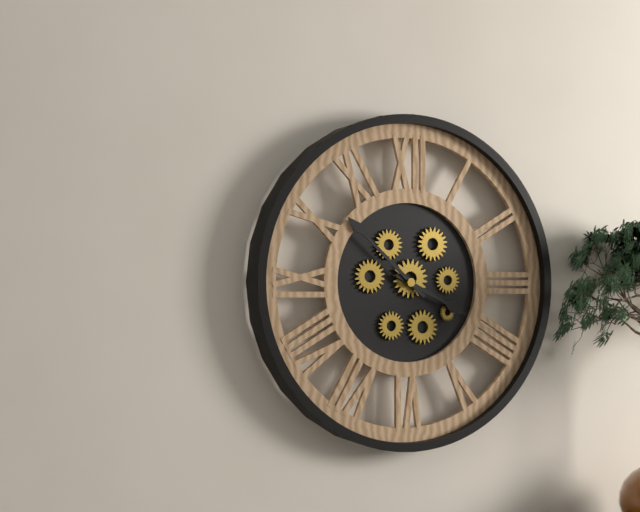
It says 3 h 52 min
